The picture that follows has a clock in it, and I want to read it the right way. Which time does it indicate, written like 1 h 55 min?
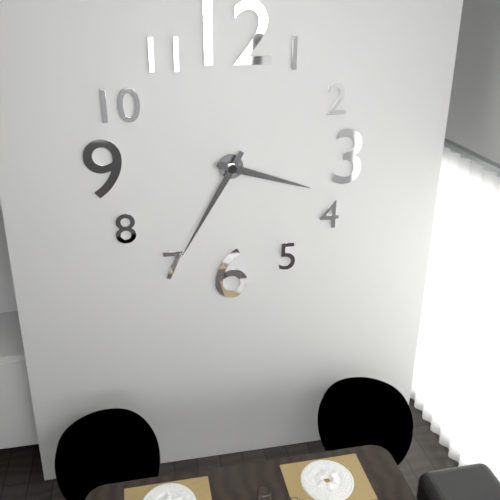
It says 3 h 35 min
